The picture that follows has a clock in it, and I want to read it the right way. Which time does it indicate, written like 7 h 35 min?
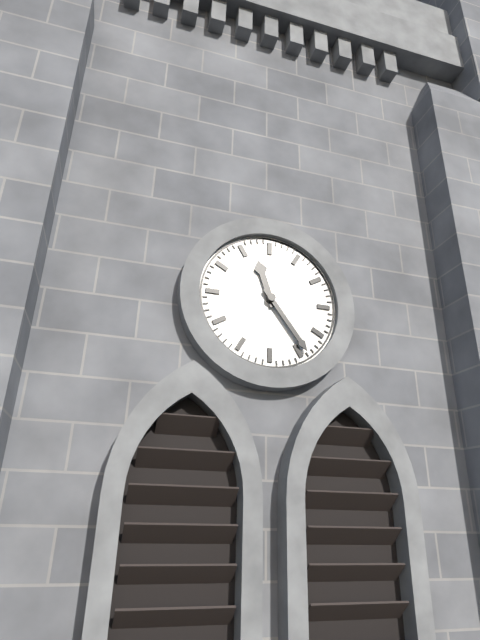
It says 11 h 24 min
